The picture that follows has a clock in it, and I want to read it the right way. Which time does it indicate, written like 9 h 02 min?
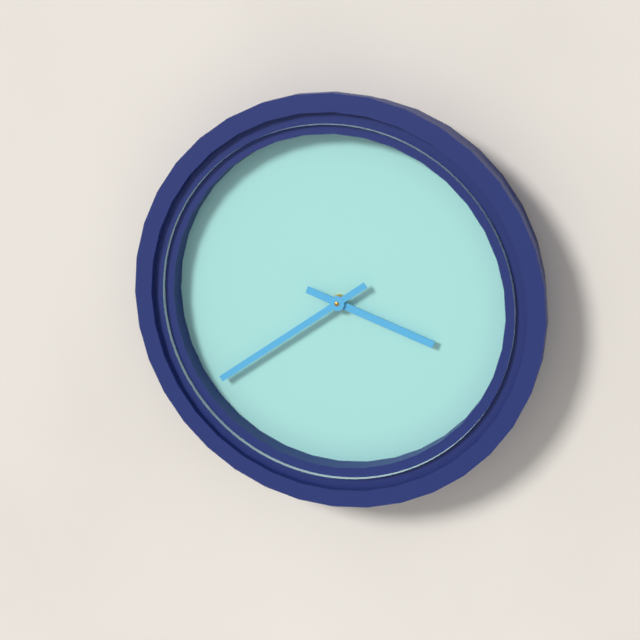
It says 3 h 39 min
